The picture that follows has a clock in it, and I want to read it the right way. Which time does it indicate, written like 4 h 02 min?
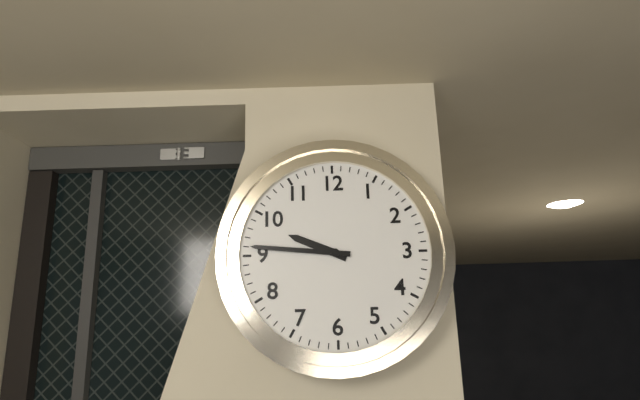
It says 9 h 46 min
